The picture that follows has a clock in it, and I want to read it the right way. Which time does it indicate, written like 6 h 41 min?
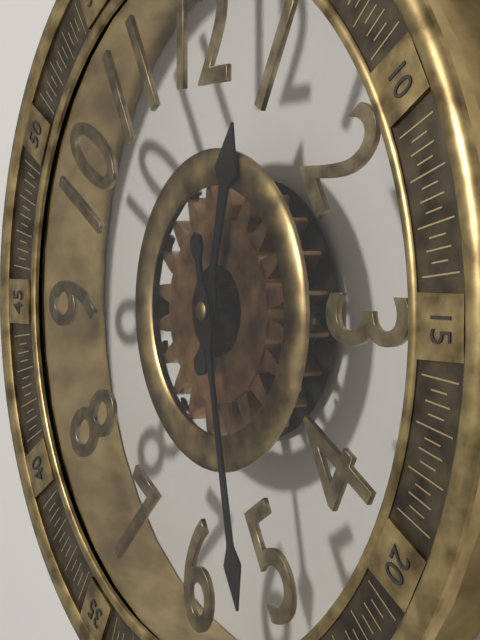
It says 12 h 28 min
